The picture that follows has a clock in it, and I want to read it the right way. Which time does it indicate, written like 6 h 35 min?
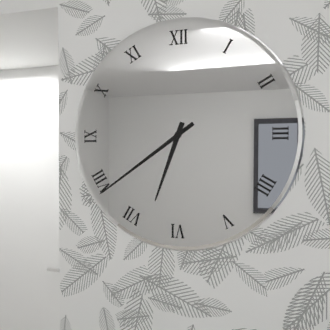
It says 6 h 39 min
